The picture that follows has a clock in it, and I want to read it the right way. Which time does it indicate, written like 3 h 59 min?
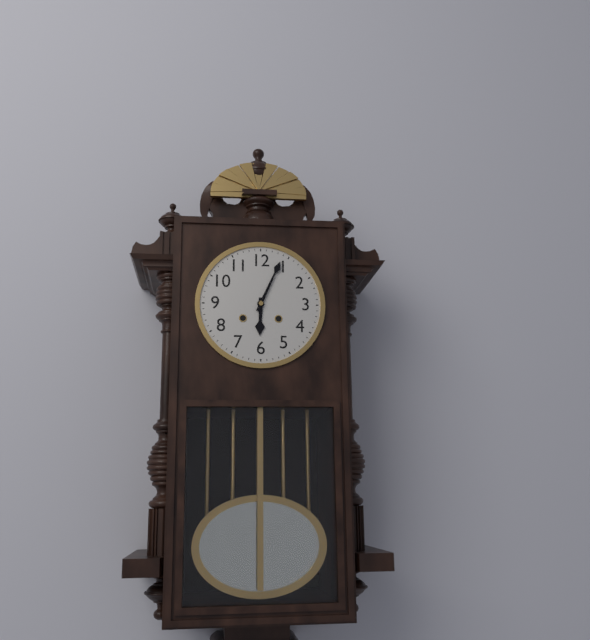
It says 6 h 04 min
